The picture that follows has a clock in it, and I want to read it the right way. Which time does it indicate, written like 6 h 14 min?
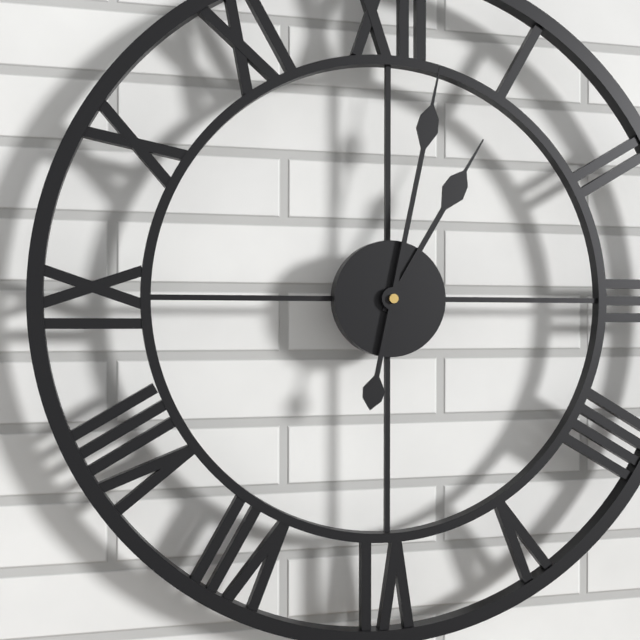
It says 1 h 02 min
